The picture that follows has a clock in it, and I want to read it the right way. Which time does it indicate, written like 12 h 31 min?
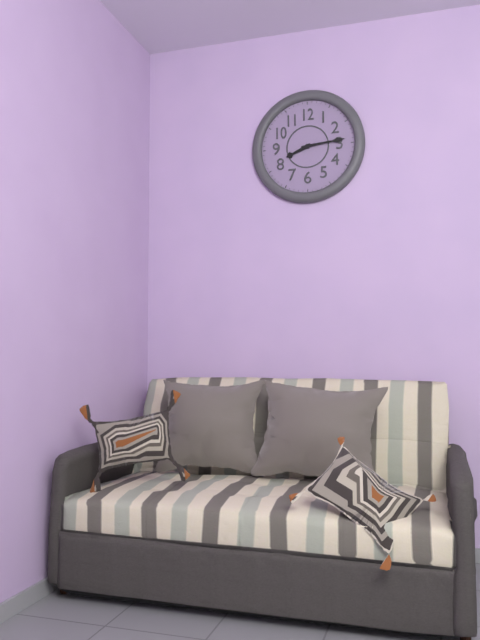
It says 8 h 14 min
